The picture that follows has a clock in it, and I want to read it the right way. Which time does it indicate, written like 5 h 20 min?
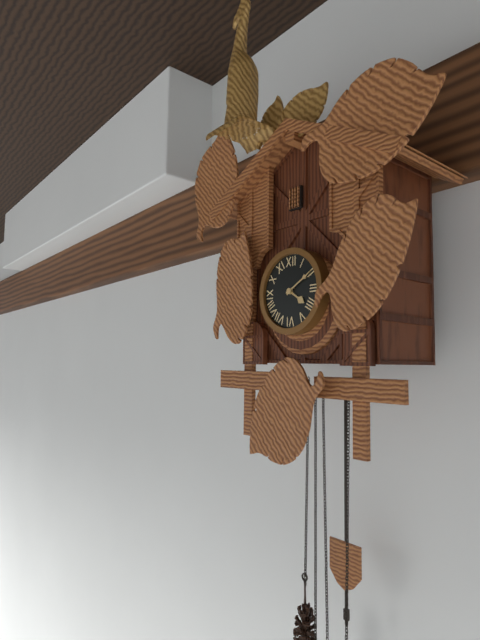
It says 4 h 10 min
